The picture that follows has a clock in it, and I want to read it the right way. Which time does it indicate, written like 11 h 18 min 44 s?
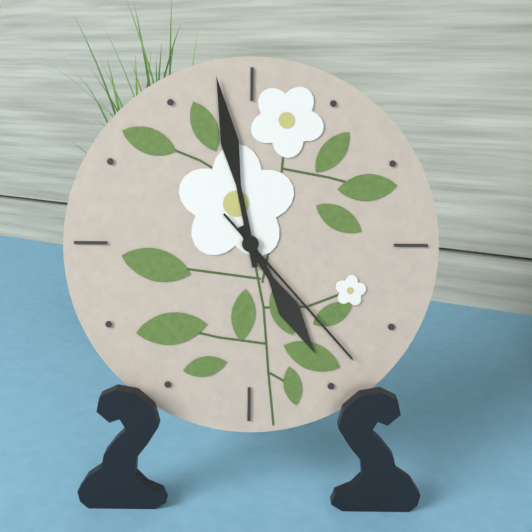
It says 4 h 58 min 23 s
